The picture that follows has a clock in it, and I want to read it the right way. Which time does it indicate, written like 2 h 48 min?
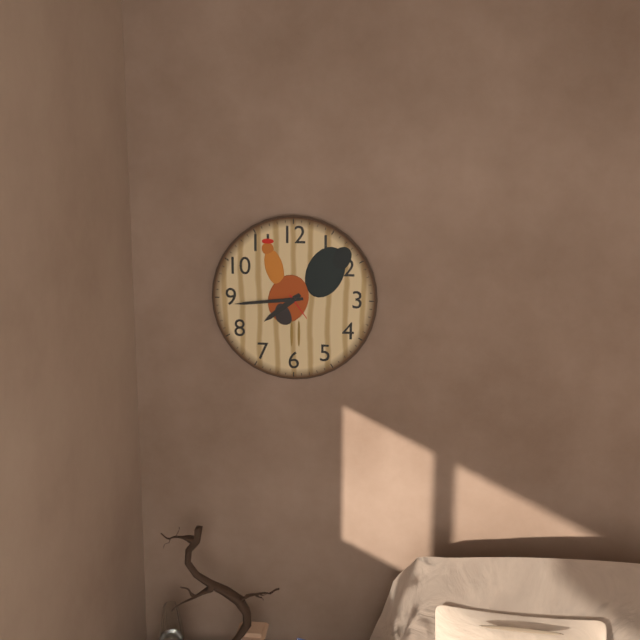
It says 7 h 44 min
